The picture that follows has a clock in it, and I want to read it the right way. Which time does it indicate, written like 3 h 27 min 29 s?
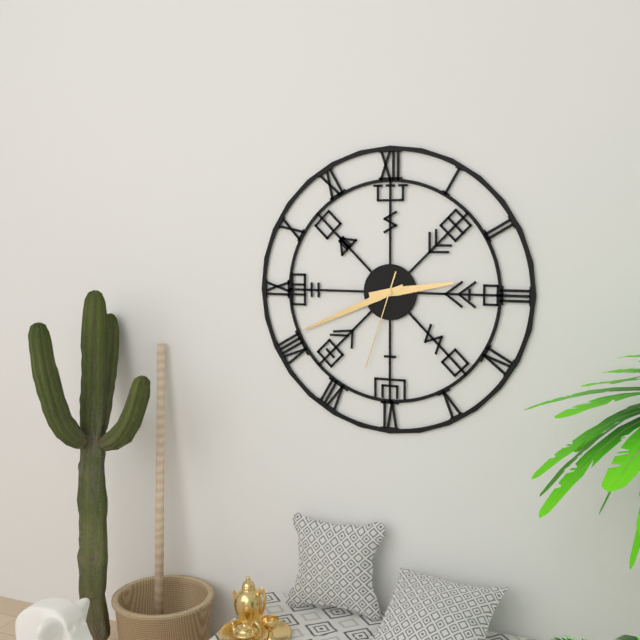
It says 2 h 41 min 33 s
